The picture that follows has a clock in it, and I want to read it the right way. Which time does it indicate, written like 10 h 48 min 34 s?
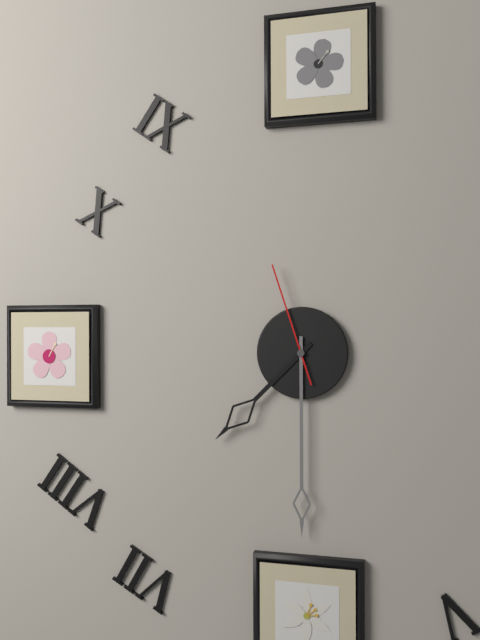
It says 7 h 30 min 57 s
